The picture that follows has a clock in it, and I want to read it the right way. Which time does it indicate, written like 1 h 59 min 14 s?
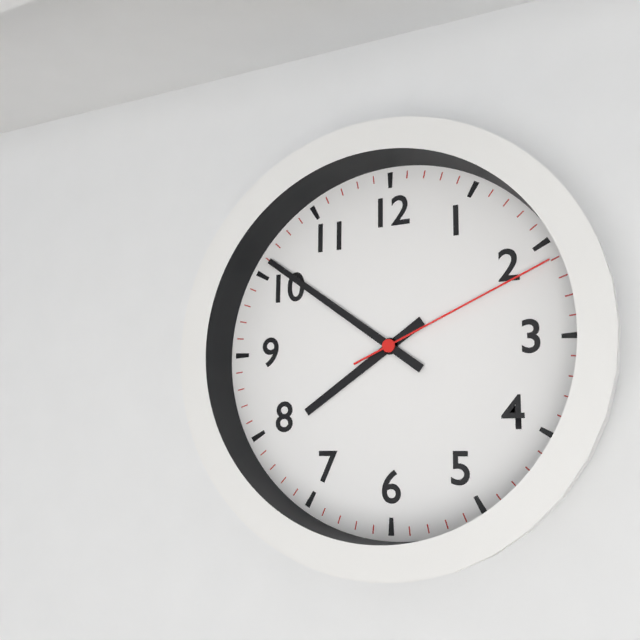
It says 7 h 51 min 11 s
